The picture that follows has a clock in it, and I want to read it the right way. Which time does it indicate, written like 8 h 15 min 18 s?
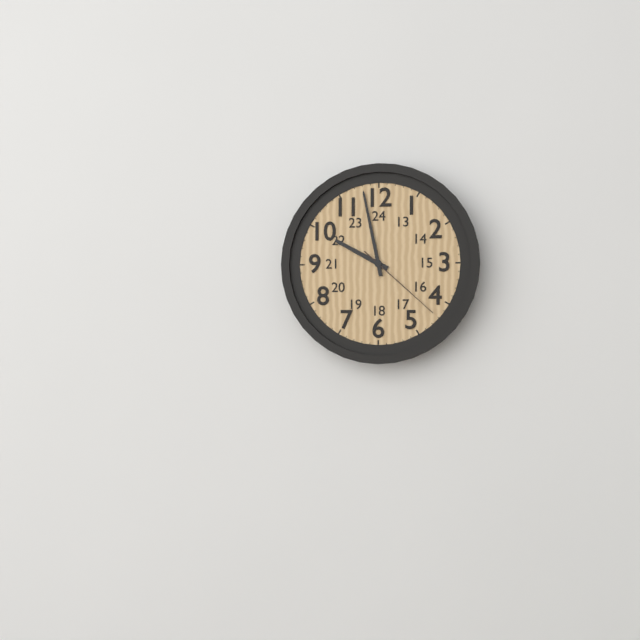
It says 9 h 58 min 22 s
